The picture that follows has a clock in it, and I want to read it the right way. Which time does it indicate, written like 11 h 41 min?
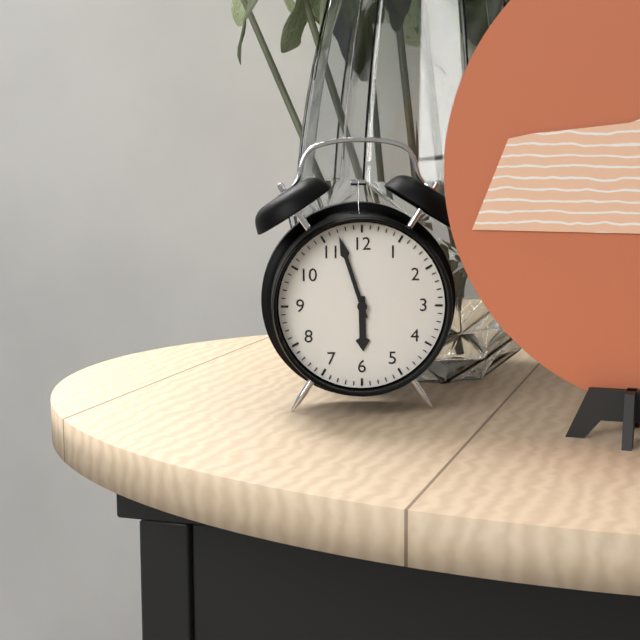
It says 5 h 57 min
